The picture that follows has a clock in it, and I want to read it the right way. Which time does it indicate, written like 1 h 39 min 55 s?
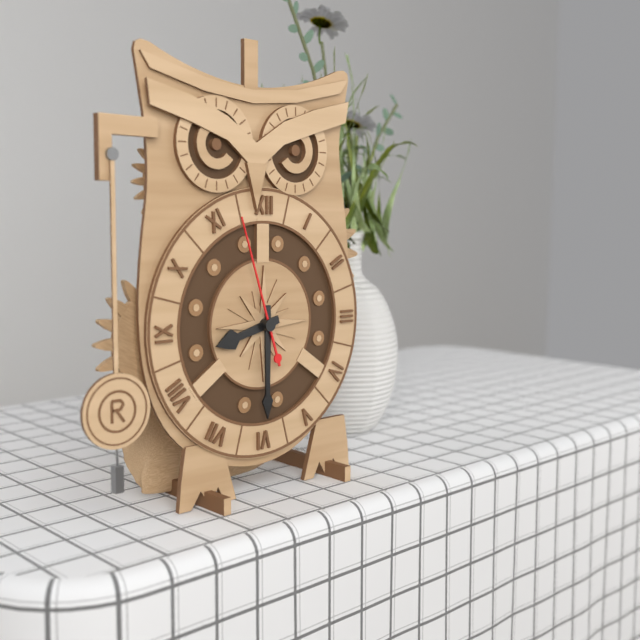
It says 8 h 30 min 57 s
